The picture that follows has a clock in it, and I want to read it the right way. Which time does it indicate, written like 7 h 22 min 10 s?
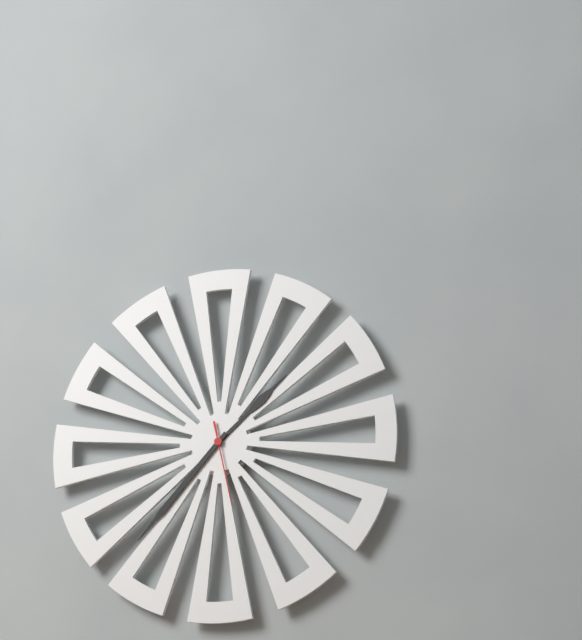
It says 1 h 37 min 28 s
